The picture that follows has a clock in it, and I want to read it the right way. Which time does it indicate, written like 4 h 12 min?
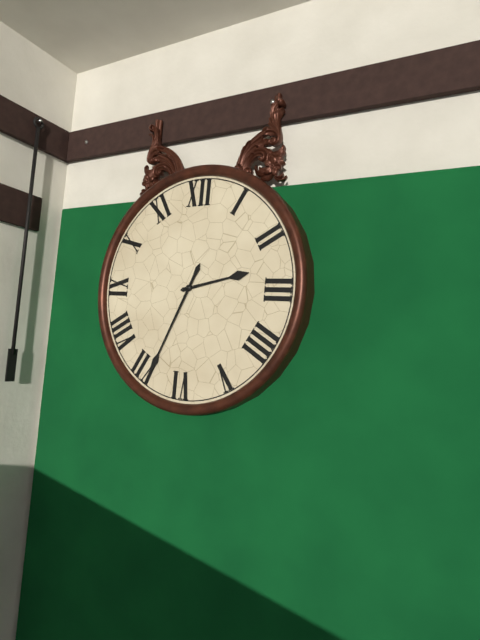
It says 2 h 34 min
